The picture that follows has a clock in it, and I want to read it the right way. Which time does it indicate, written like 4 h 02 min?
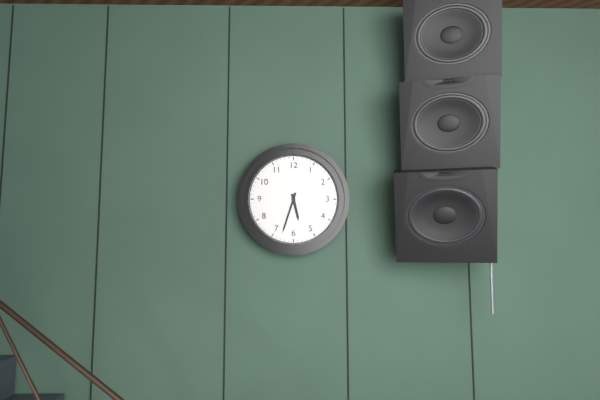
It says 5 h 33 min
